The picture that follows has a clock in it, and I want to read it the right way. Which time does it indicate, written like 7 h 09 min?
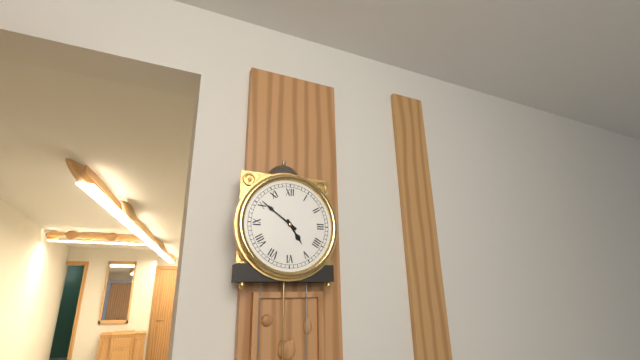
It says 4 h 51 min
